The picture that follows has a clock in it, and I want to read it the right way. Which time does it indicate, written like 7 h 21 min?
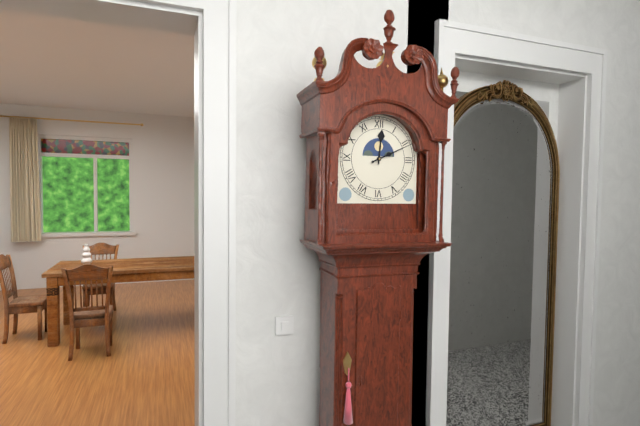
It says 12 h 11 min
